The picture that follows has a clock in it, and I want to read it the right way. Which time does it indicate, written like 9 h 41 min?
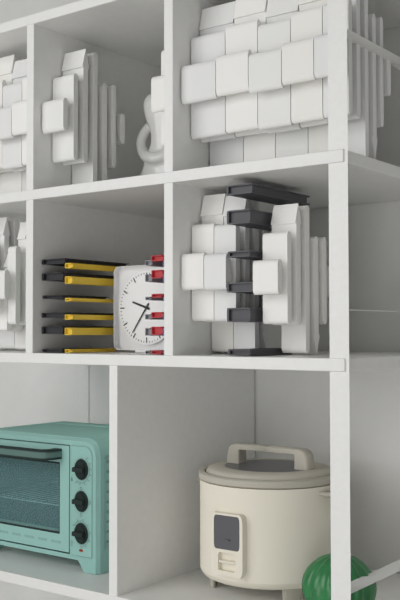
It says 9 h 36 min
